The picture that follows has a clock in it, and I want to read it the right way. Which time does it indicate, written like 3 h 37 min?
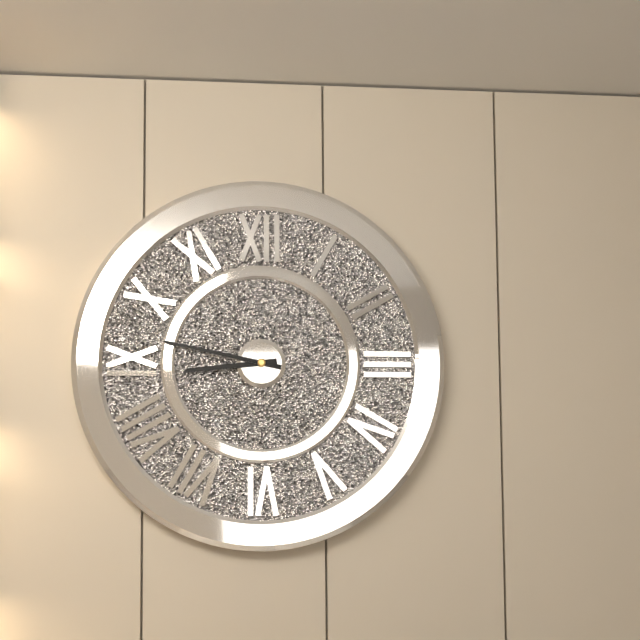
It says 8 h 47 min
